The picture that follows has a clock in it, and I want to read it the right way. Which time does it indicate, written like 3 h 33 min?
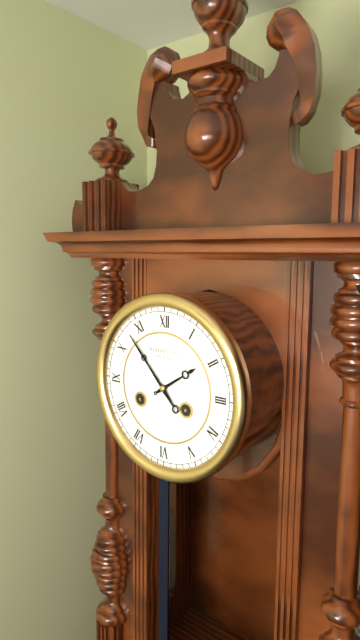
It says 1 h 53 min
